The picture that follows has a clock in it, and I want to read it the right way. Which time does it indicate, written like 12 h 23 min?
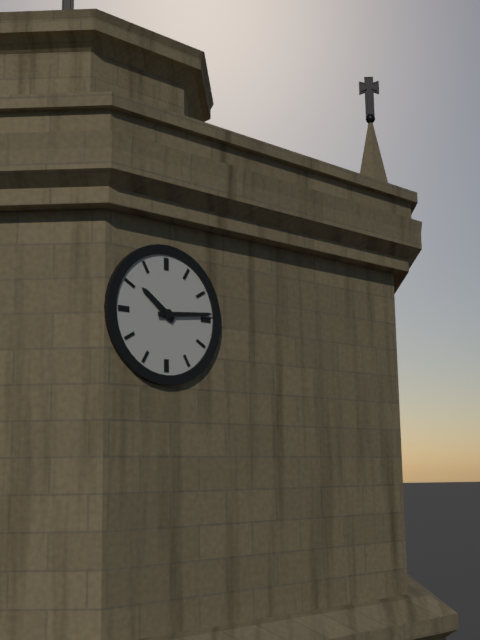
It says 10 h 14 min
